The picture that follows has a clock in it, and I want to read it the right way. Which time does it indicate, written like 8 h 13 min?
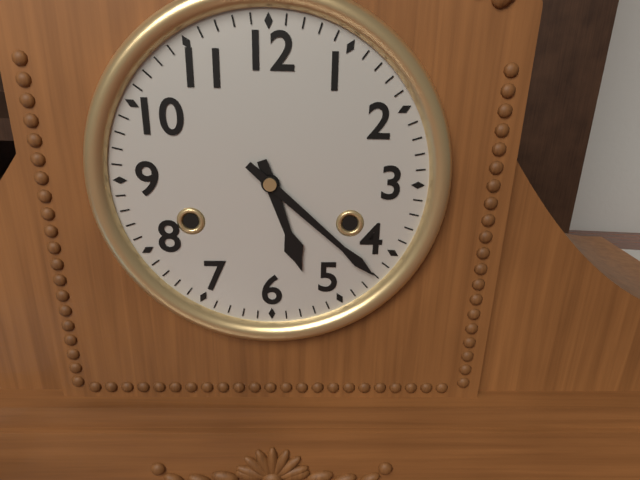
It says 5 h 22 min
